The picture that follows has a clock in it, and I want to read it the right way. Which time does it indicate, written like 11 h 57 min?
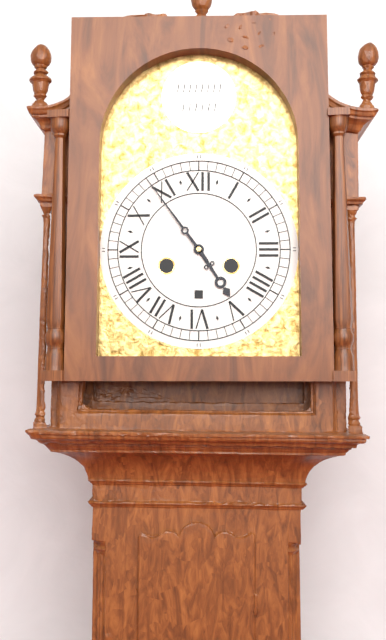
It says 4 h 54 min
